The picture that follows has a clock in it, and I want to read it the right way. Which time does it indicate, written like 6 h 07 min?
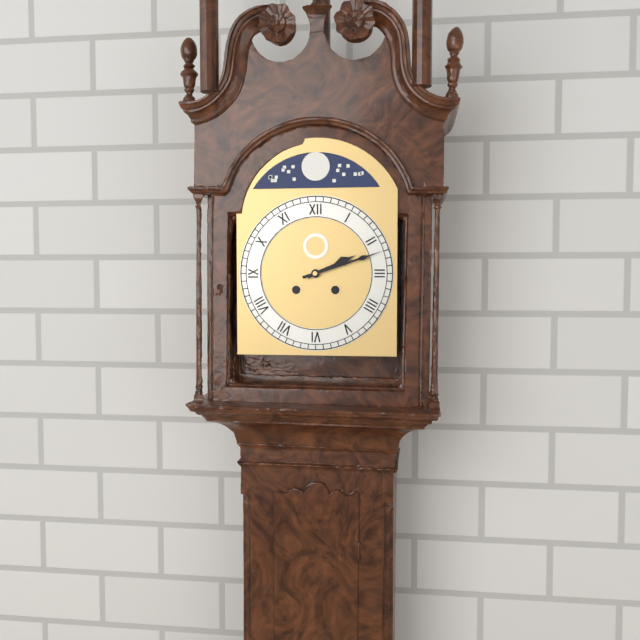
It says 2 h 12 min
